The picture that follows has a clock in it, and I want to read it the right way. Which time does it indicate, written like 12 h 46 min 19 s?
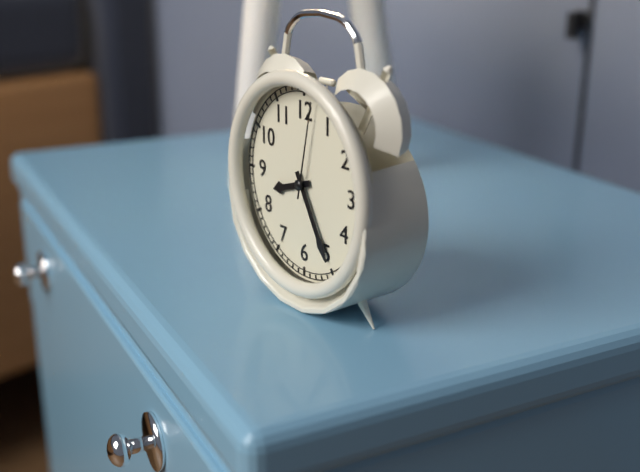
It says 8 h 25 min 02 s
